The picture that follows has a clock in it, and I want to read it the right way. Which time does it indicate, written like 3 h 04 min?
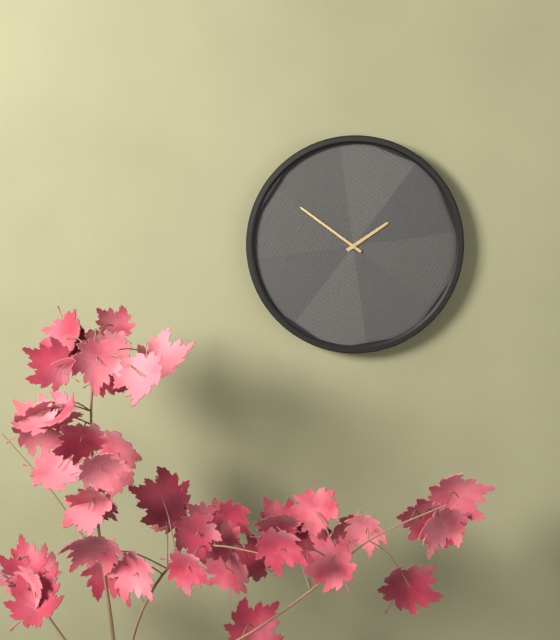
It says 1 h 51 min
